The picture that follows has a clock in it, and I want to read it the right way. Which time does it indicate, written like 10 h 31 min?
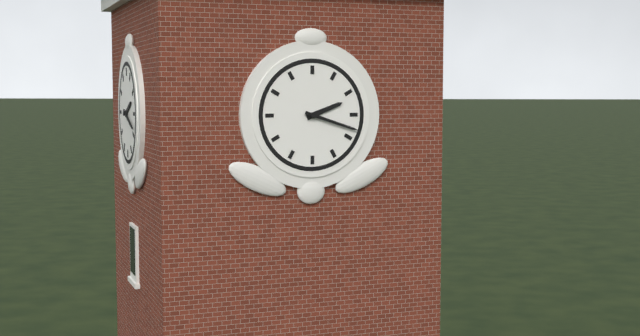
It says 2 h 18 min
